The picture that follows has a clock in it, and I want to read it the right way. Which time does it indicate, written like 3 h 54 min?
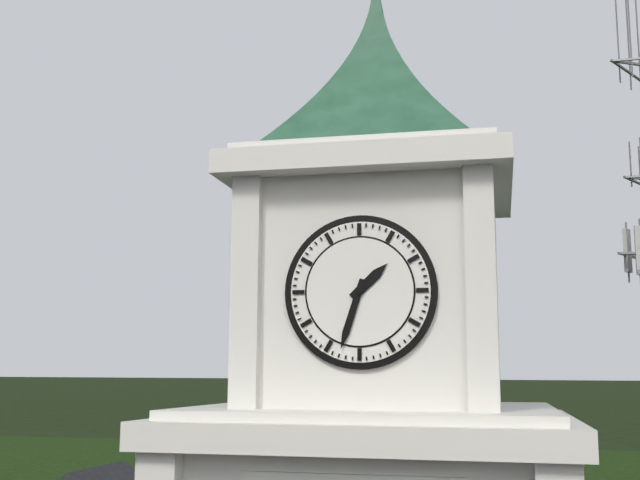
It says 1 h 33 min
